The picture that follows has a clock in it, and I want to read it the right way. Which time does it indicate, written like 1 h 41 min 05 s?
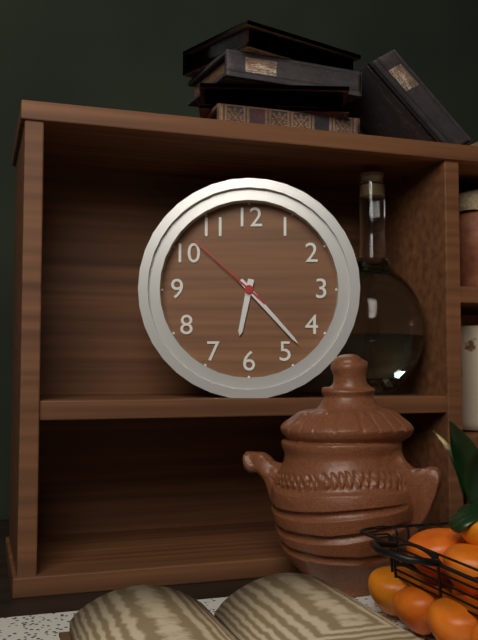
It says 6 h 23 min 52 s
